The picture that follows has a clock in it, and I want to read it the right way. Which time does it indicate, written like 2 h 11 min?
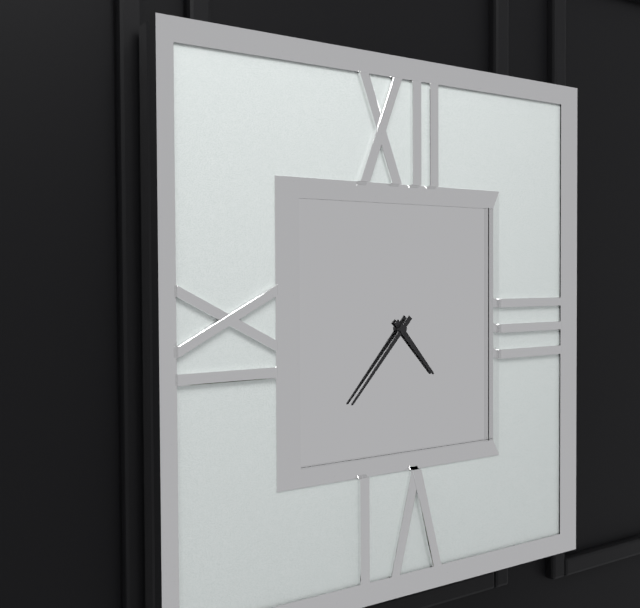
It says 4 h 37 min
